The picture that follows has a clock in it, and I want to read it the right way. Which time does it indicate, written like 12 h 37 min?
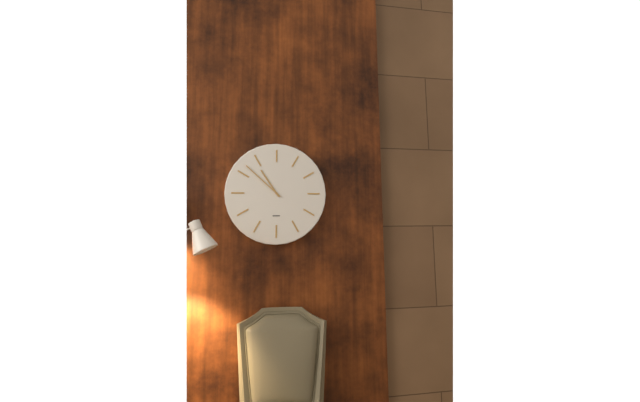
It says 10 h 52 min
